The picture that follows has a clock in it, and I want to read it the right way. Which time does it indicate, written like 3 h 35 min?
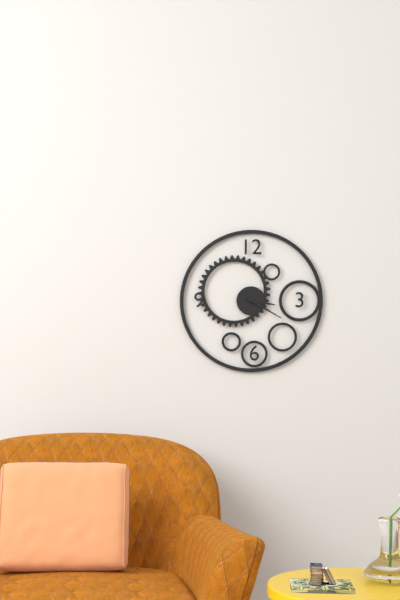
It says 3 h 20 min
